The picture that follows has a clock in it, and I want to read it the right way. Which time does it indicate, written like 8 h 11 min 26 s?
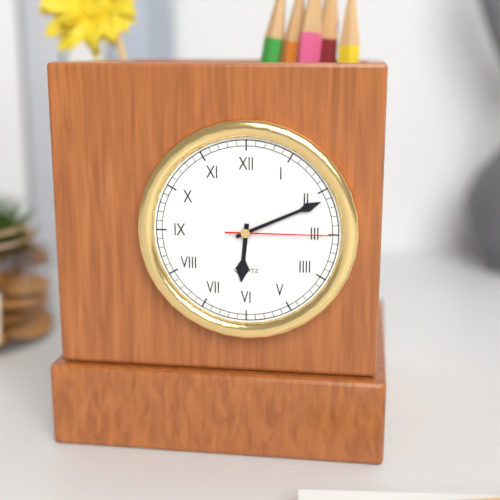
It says 6 h 11 min 15 s
